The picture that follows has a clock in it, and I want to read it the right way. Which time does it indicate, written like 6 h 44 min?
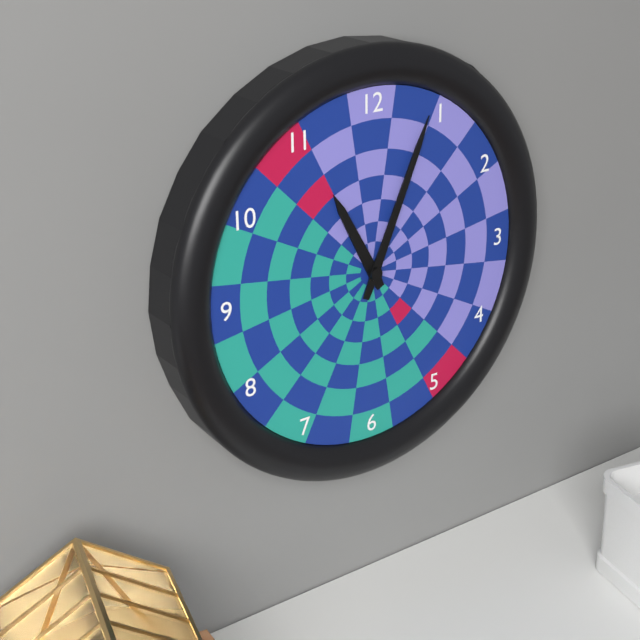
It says 11 h 04 min
